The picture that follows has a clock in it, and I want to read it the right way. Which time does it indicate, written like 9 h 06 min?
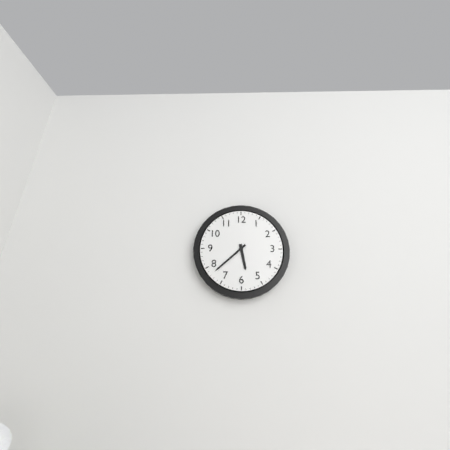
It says 5 h 38 min
